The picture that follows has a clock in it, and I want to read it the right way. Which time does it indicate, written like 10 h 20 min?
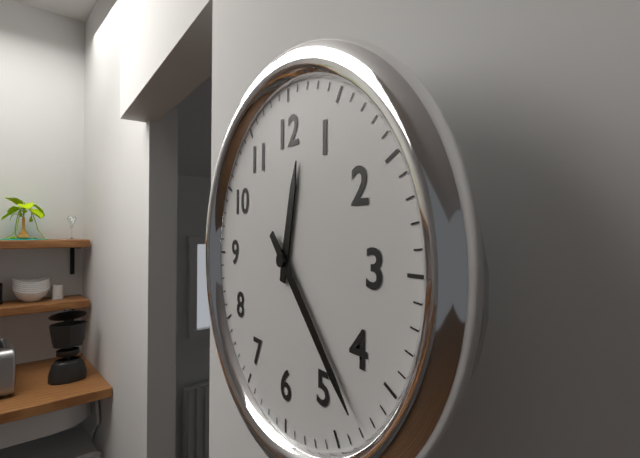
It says 12 h 23 min
